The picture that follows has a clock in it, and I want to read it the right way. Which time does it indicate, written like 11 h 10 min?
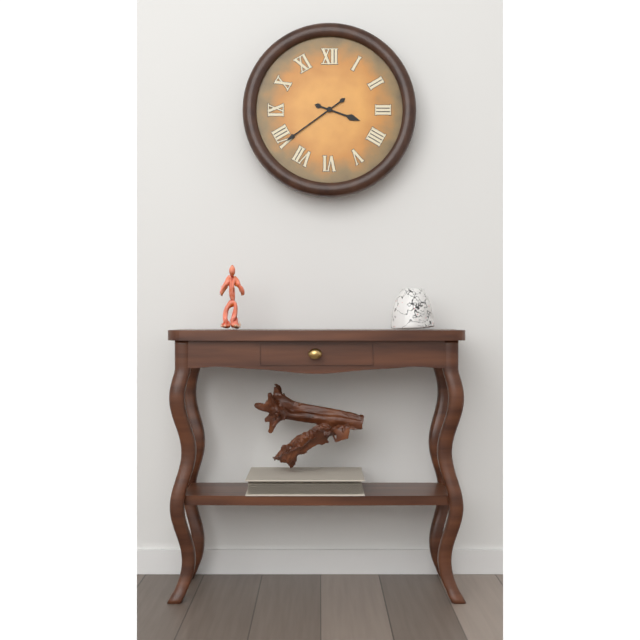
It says 3 h 39 min
